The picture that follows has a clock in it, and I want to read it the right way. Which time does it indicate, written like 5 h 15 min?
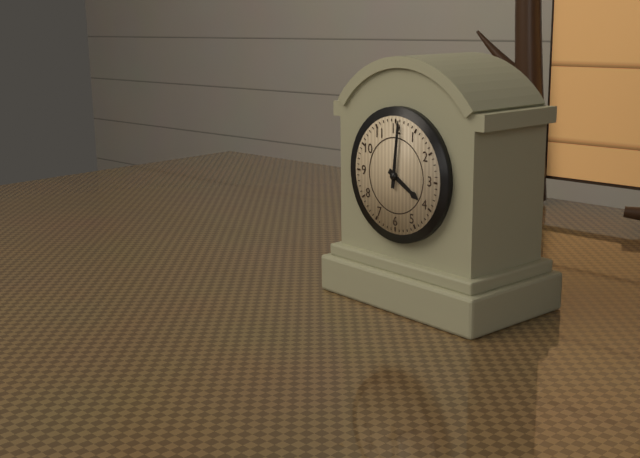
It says 4 h 01 min
